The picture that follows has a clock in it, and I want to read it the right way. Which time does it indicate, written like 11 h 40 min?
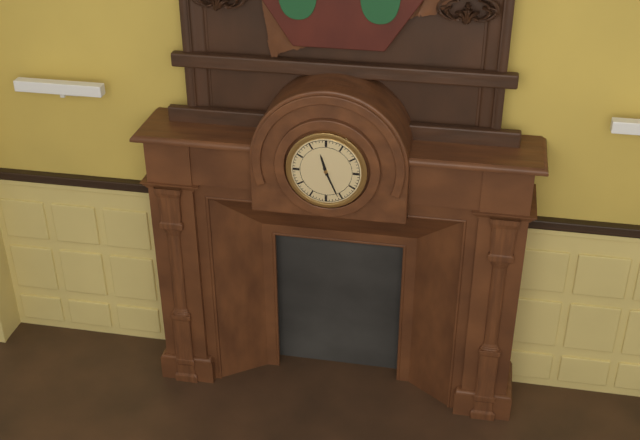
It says 11 h 26 min
